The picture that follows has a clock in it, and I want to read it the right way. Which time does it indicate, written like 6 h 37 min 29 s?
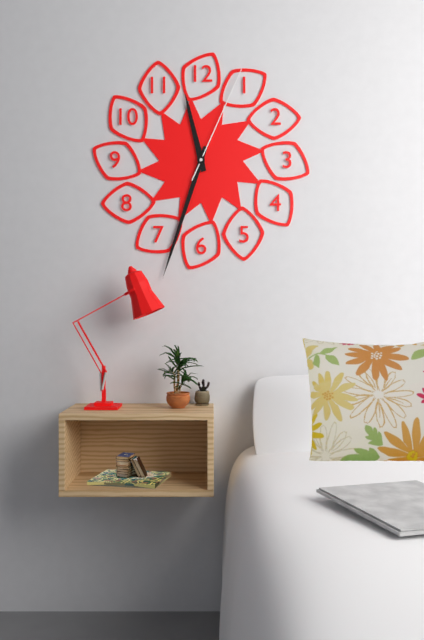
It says 11 h 33 min 04 s
